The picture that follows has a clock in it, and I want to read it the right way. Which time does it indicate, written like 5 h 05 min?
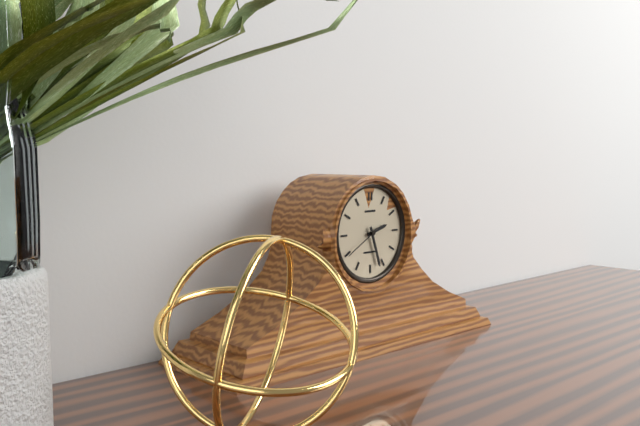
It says 2 h 27 min
